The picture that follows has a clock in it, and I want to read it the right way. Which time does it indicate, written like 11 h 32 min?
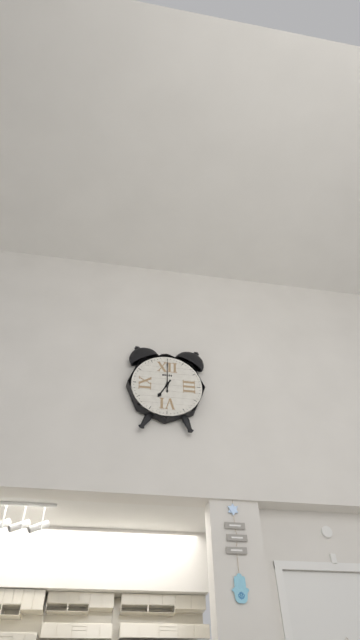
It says 7 h 00 min
